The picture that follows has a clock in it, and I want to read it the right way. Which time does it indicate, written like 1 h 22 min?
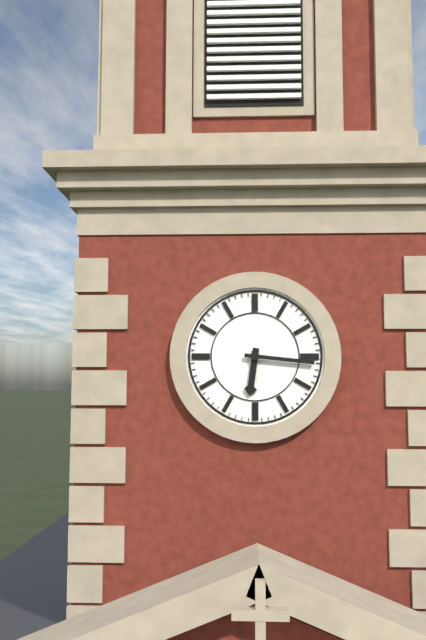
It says 6 h 16 min
